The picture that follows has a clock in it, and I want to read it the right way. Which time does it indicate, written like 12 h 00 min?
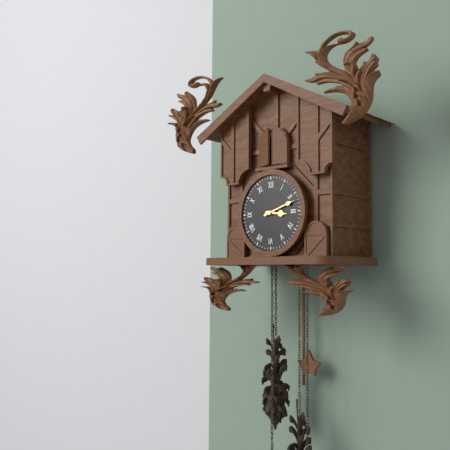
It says 3 h 12 min
